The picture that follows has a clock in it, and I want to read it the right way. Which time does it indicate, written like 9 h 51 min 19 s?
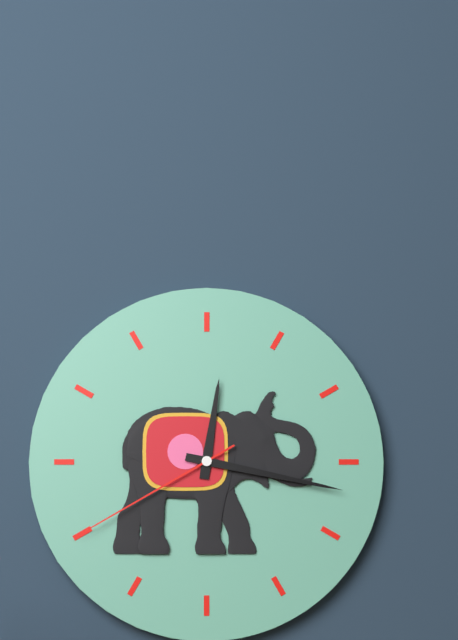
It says 12 h 17 min 40 s
